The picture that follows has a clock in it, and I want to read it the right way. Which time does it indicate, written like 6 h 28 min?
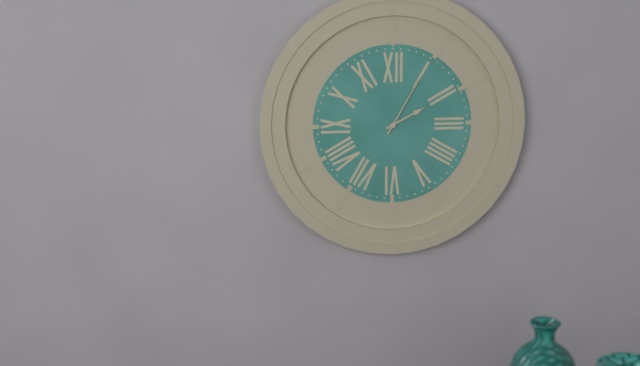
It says 2 h 05 min
